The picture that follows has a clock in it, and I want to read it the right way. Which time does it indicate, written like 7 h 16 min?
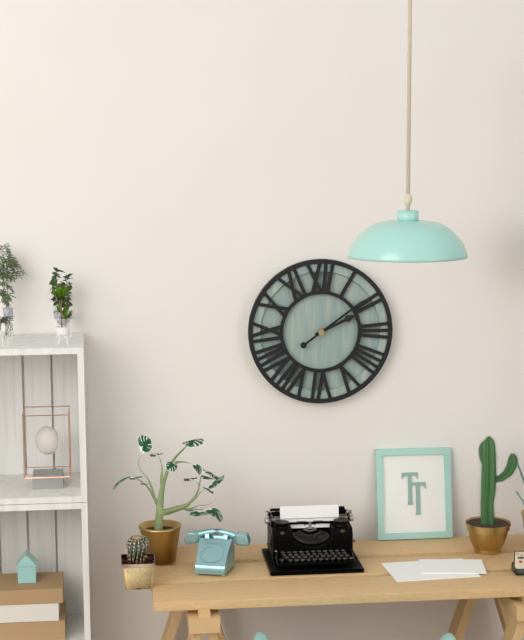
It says 2 h 09 min
